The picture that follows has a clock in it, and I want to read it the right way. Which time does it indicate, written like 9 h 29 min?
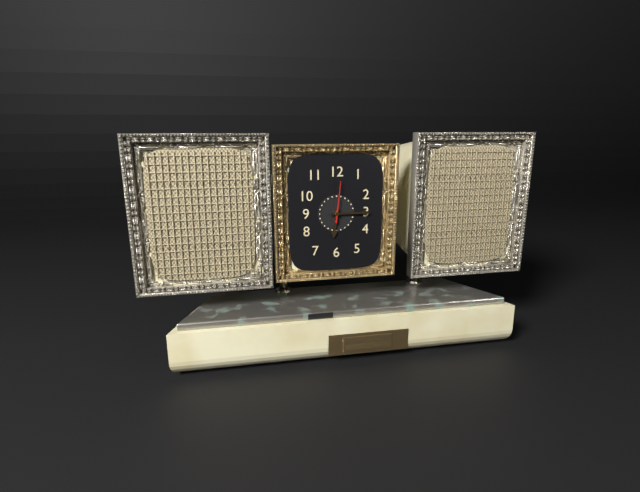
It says 6 h 15 min
